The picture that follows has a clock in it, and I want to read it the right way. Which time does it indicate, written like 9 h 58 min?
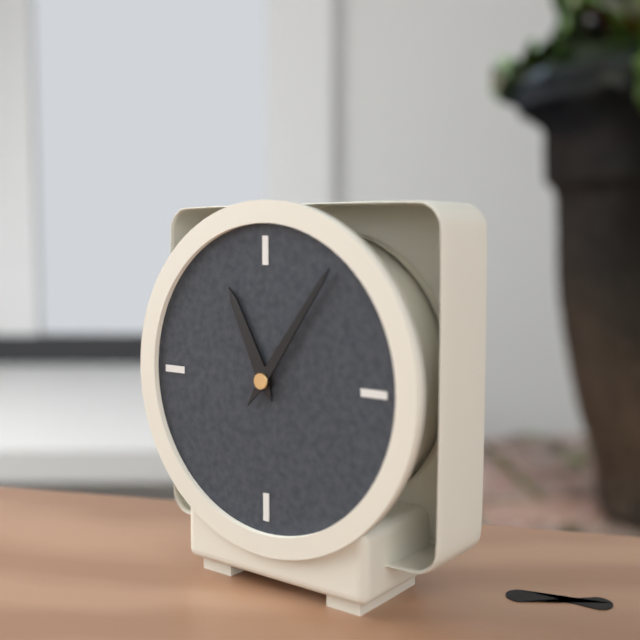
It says 11 h 06 min
